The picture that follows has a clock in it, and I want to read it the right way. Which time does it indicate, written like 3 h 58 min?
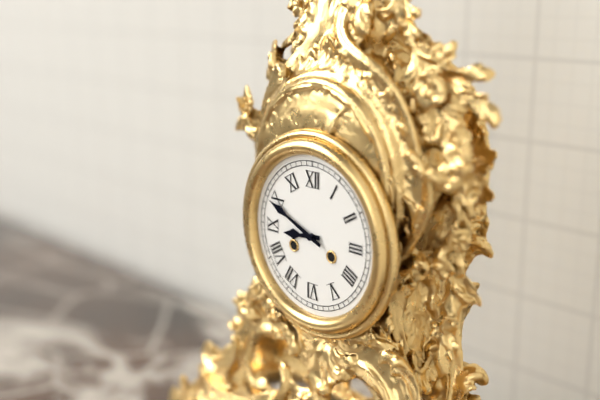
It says 8 h 49 min
